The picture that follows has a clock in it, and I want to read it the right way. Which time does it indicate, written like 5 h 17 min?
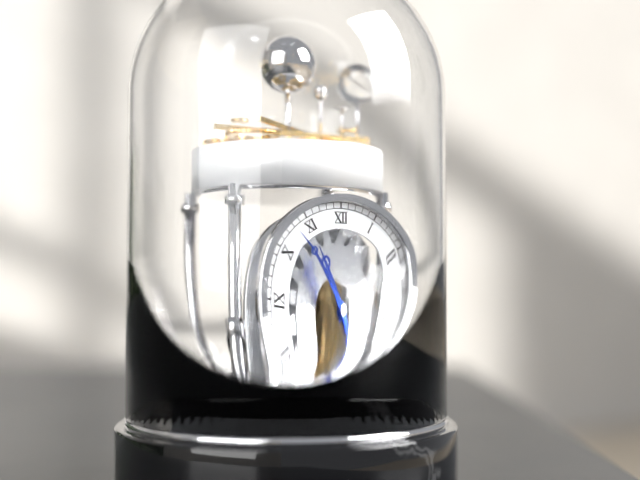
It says 10 h 53 min
